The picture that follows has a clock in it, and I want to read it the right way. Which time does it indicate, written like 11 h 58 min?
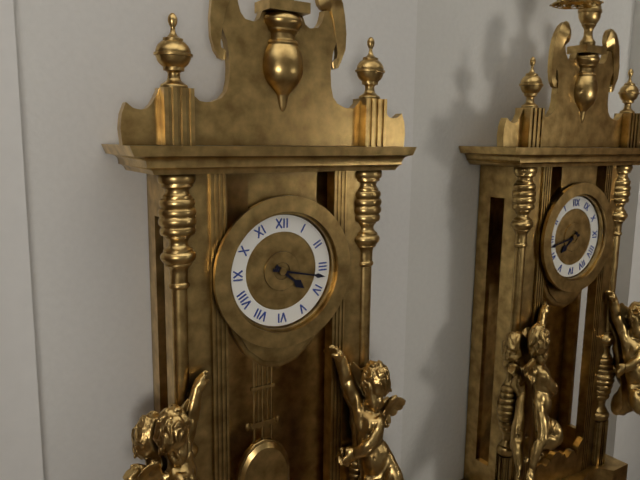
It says 4 h 17 min
